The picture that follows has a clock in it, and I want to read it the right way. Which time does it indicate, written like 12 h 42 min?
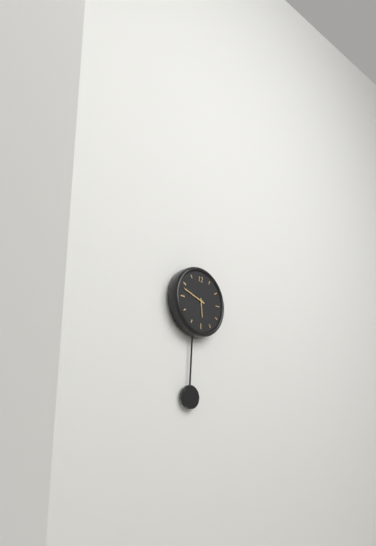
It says 5 h 48 min
